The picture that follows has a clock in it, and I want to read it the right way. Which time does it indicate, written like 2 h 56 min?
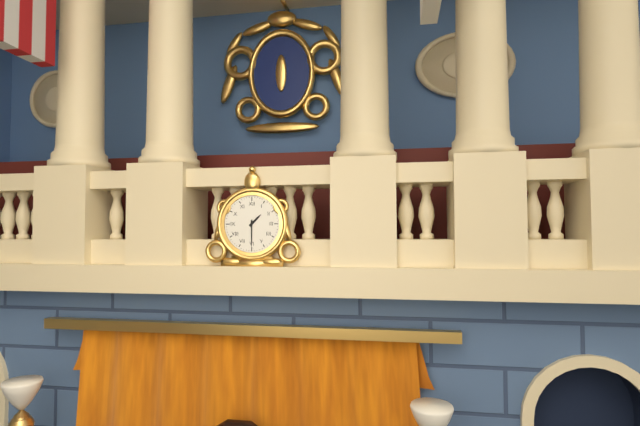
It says 1 h 30 min
